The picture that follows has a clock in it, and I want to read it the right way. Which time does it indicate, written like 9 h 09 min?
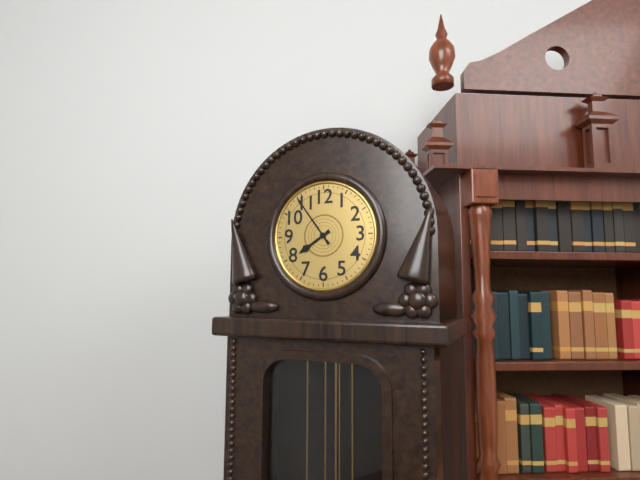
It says 7 h 54 min
